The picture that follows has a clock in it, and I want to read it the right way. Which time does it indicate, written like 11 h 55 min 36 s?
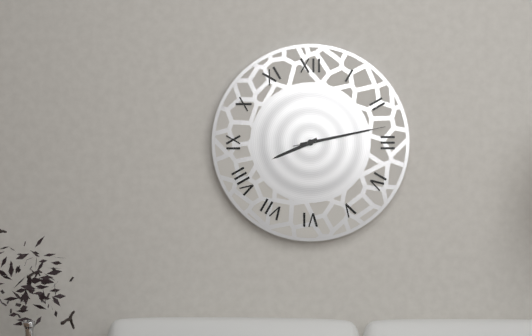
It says 8 h 13 min 13 s
